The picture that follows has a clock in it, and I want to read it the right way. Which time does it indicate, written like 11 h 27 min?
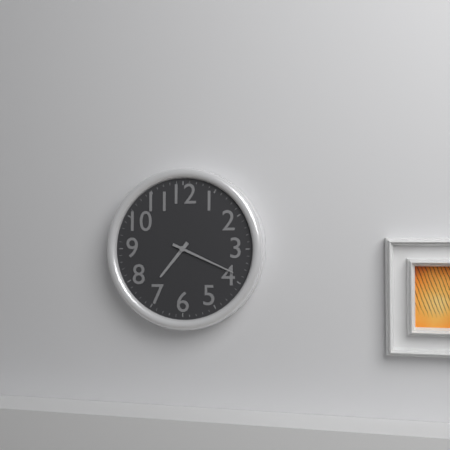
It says 7 h 19 min
